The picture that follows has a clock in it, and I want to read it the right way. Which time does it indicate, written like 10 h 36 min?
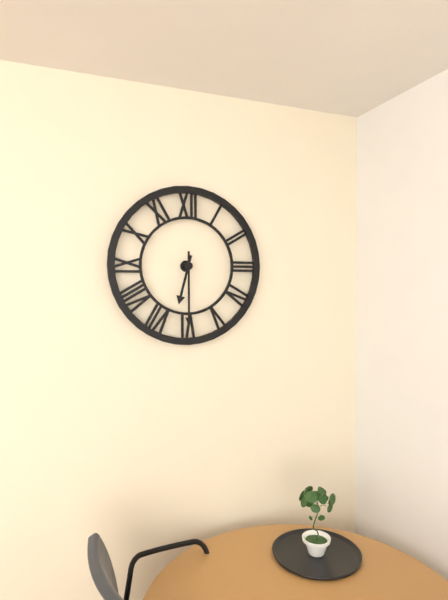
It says 6 h 30 min
